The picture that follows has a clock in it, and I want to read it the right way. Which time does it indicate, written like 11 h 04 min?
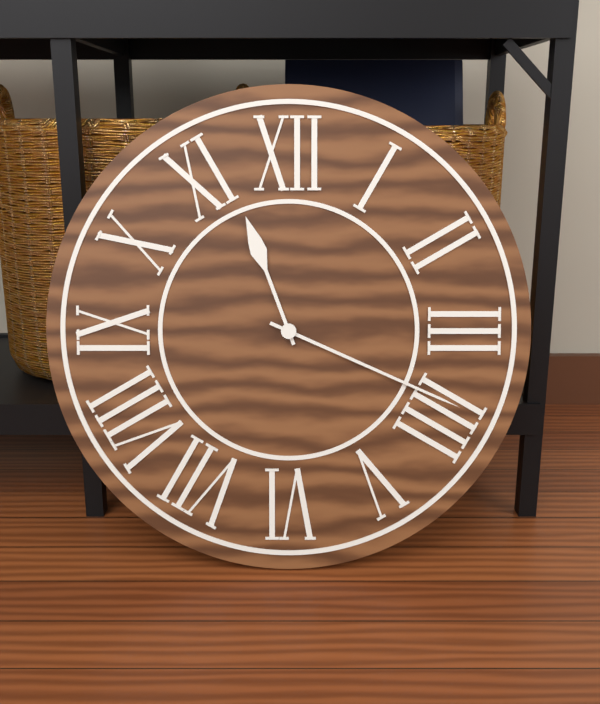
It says 11 h 19 min
